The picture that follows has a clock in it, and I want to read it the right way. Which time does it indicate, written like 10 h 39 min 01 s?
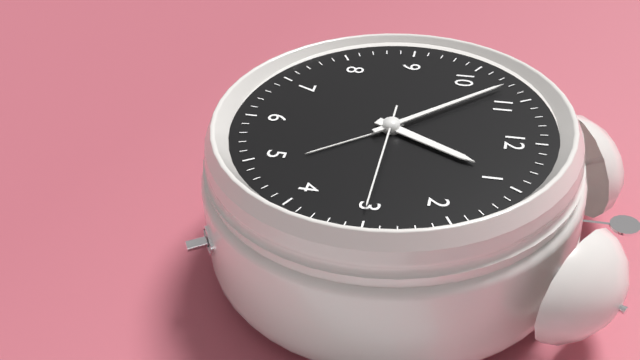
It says 12 h 53 min 15 s
